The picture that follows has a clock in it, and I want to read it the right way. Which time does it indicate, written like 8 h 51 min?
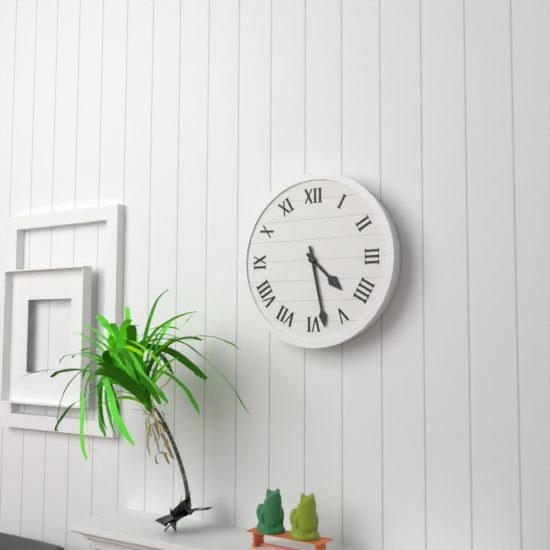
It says 4 h 28 min
